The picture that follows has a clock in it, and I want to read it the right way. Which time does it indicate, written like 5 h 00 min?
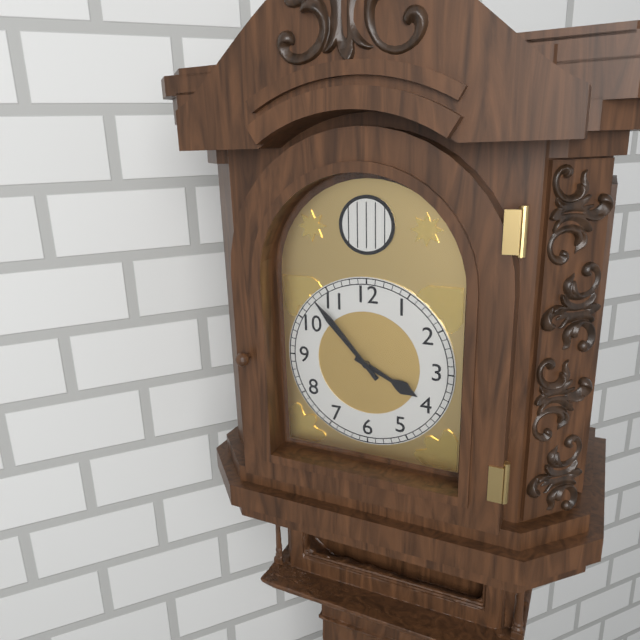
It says 3 h 53 min
